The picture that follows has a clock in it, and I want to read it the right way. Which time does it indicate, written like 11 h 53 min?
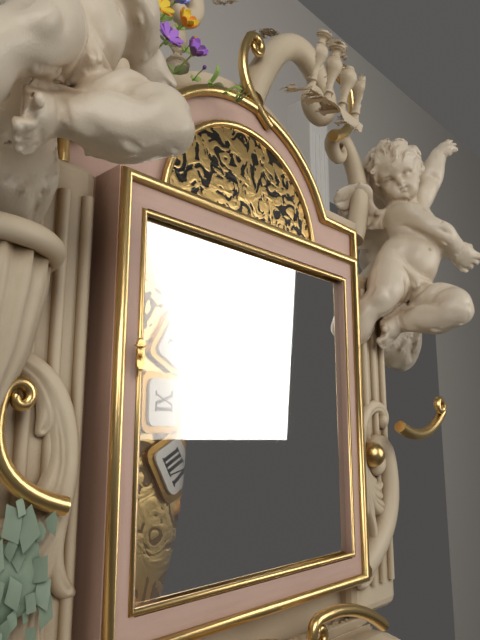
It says 11 h 51 min
